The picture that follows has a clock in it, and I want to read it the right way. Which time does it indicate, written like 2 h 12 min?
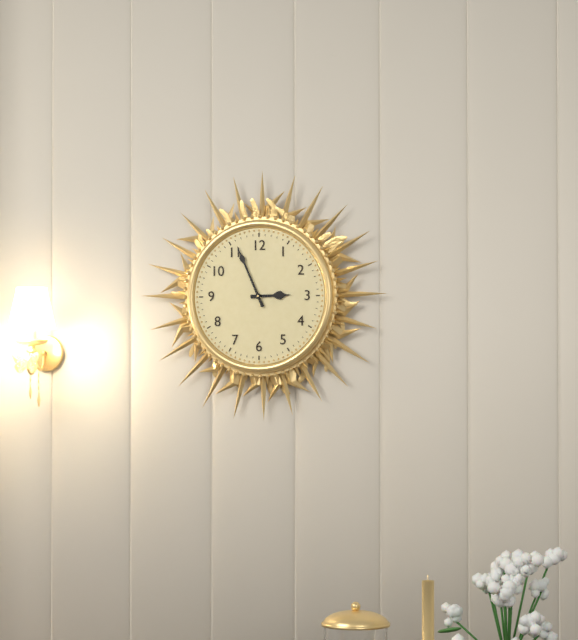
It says 2 h 56 min
